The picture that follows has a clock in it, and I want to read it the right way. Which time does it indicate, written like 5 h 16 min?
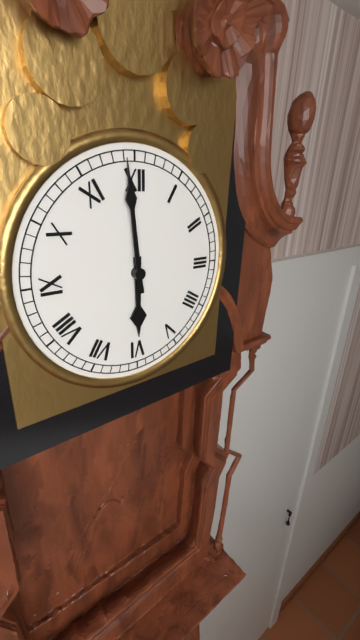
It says 5 h 59 min
